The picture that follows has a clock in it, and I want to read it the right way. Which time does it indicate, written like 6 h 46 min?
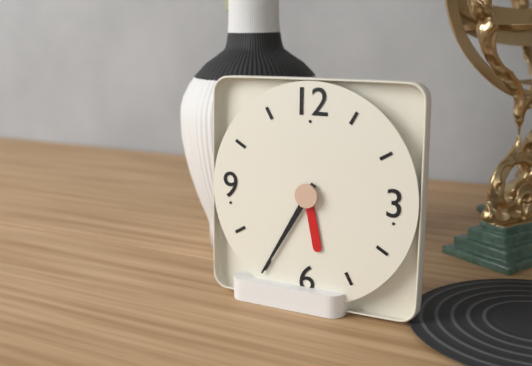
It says 5 h 35 min
